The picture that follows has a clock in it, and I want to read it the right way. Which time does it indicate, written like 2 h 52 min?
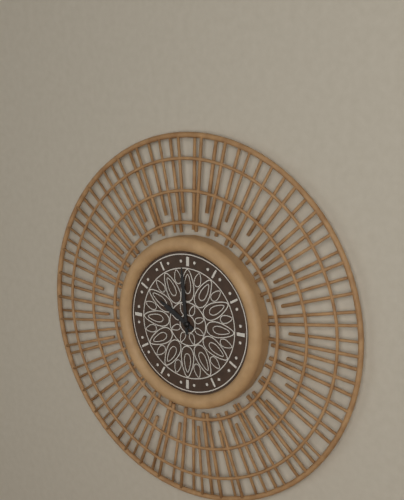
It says 9 h 59 min
